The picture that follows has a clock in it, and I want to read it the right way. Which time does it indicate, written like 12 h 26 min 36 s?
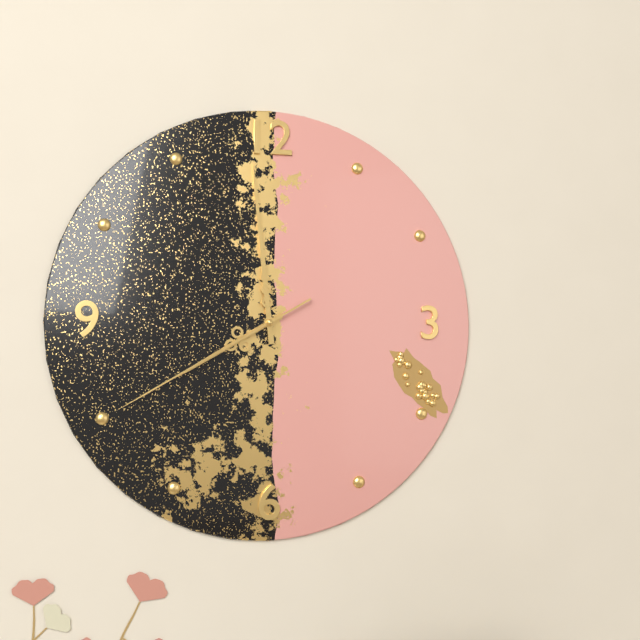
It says 7 h 59 min 40 s
